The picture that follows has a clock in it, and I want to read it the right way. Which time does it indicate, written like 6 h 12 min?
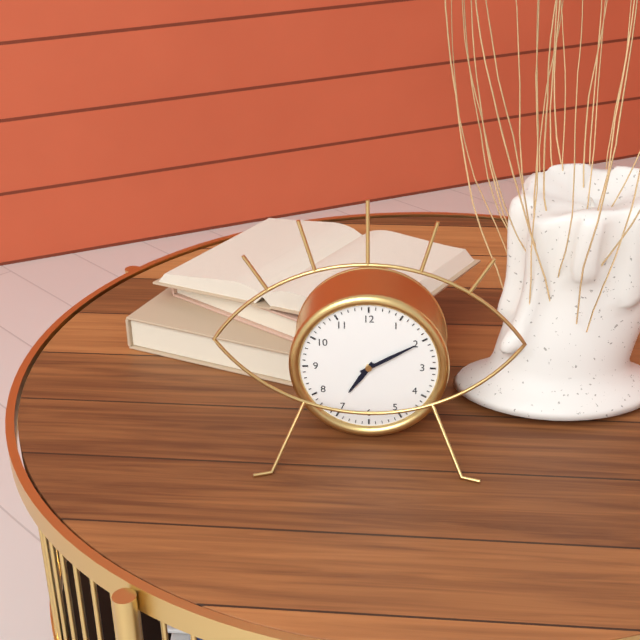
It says 7 h 10 min
